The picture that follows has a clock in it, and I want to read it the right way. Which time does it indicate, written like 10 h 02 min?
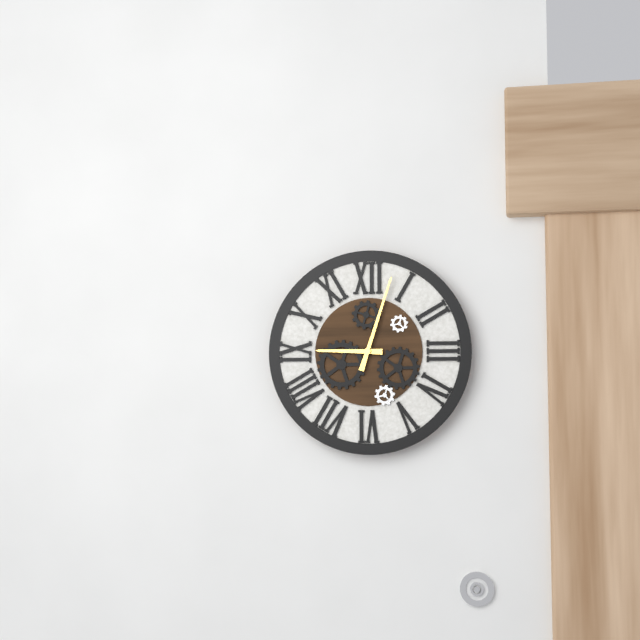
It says 9 h 03 min
